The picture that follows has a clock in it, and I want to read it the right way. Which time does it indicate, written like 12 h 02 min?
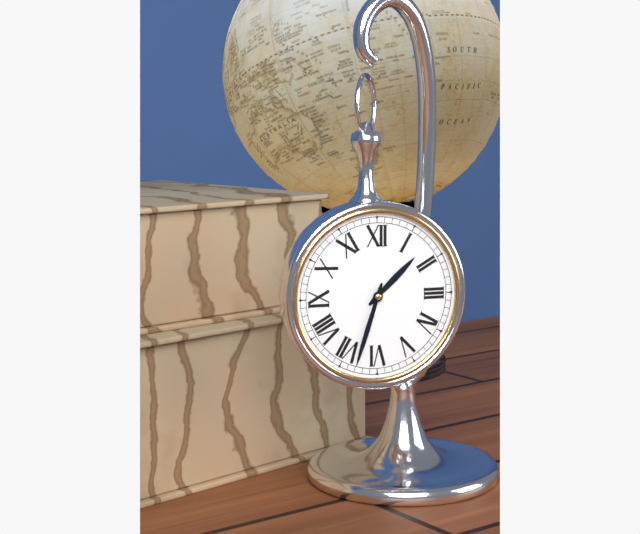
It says 1 h 33 min
